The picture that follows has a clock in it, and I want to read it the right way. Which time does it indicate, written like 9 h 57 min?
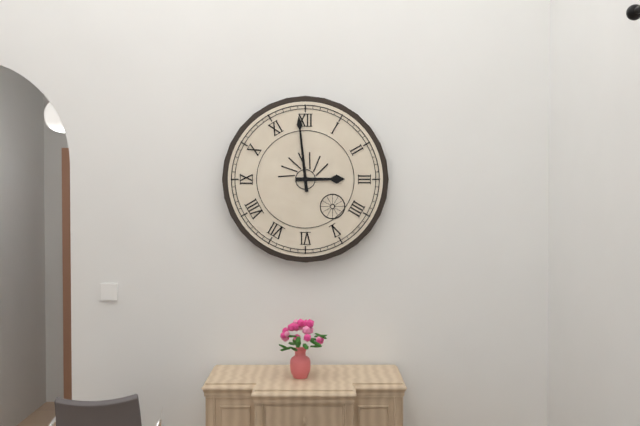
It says 2 h 59 min
